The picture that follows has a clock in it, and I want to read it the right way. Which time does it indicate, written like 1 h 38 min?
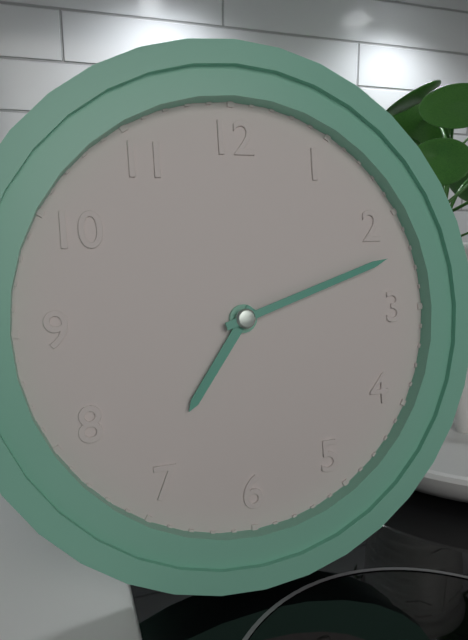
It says 7 h 12 min
